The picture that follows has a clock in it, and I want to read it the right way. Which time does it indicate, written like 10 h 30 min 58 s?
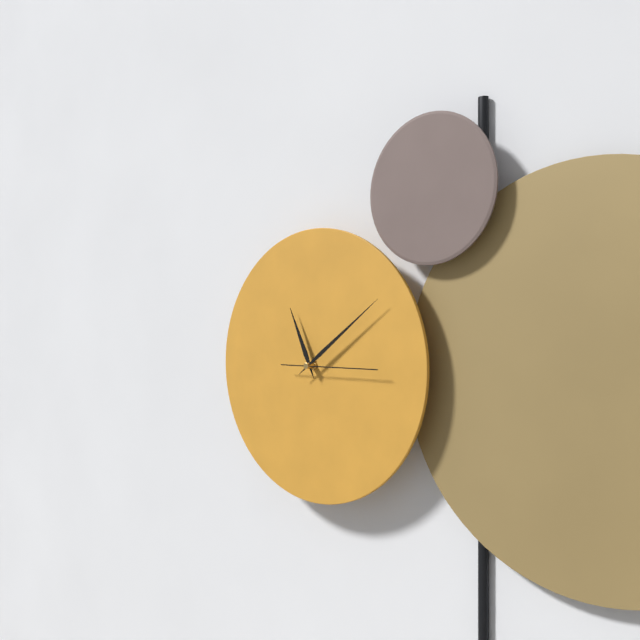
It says 11 h 09 min 15 s
